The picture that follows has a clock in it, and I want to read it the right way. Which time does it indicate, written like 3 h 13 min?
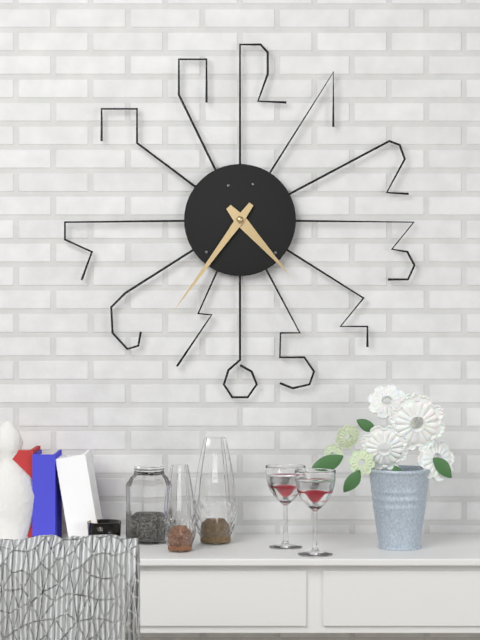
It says 4 h 36 min
